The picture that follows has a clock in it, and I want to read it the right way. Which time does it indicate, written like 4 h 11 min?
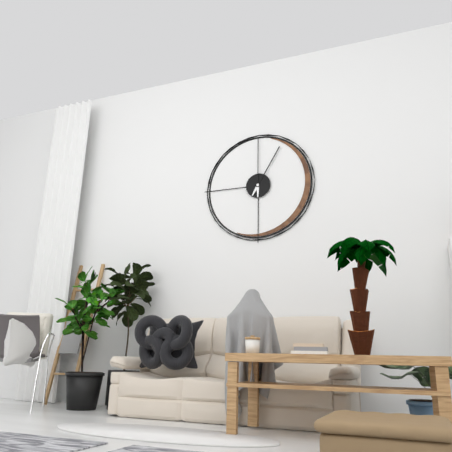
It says 1 h 00 min
